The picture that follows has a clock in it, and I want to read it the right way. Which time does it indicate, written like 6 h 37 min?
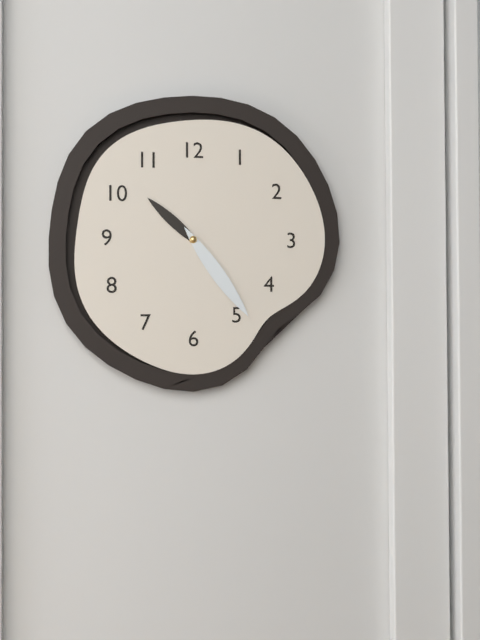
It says 10 h 24 min
